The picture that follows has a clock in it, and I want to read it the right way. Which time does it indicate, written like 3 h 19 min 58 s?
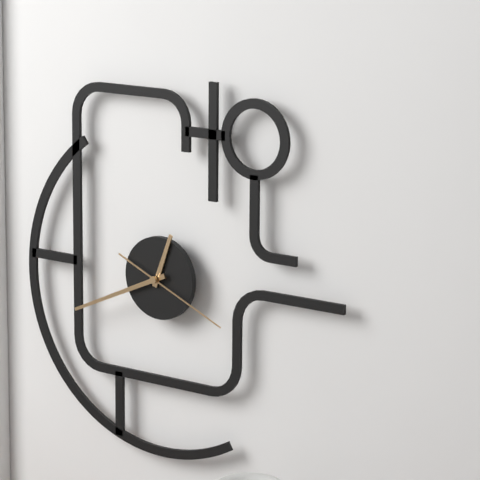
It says 12 h 41 min 19 s
